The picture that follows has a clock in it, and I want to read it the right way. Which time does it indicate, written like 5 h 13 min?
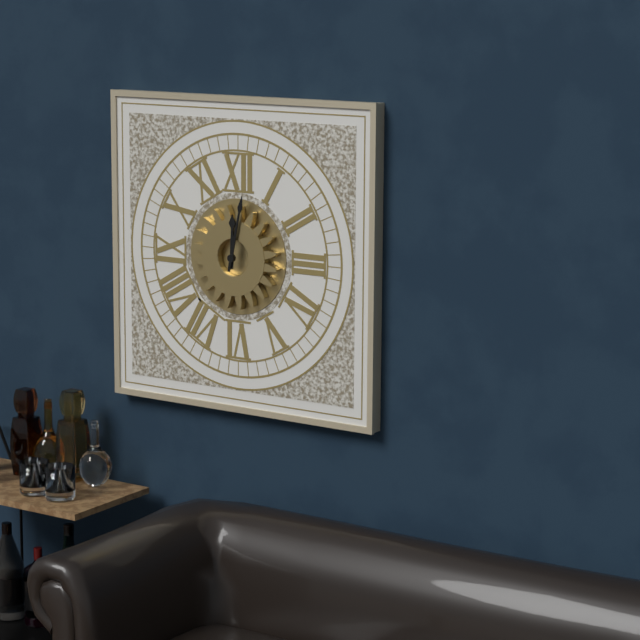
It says 12 h 02 min
